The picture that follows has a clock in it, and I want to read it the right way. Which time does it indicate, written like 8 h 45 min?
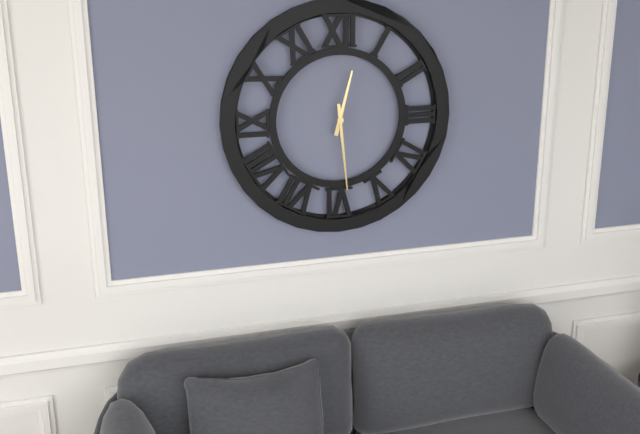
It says 12 h 29 min
